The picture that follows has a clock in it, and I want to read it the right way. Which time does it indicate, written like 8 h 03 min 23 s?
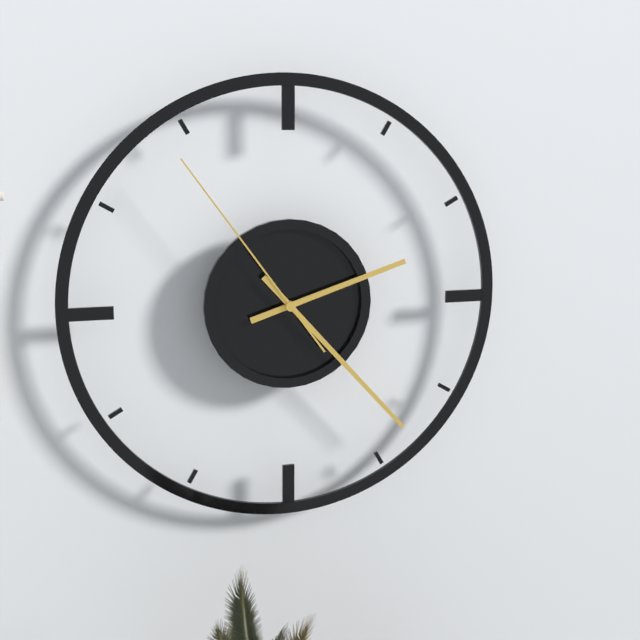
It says 2 h 23 min 54 s
